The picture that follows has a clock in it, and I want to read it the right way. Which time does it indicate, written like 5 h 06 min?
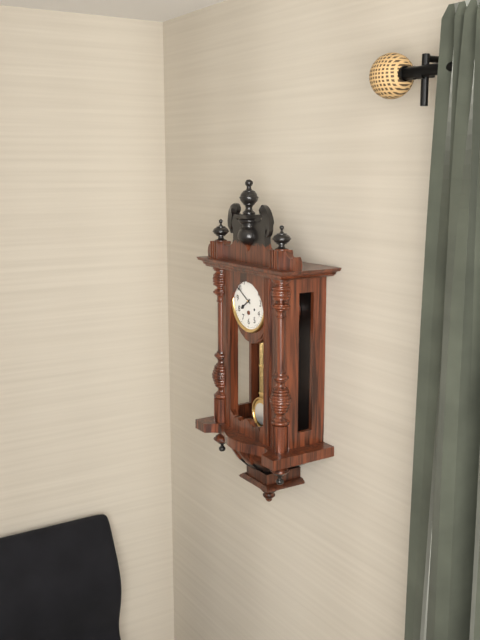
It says 7 h 50 min
